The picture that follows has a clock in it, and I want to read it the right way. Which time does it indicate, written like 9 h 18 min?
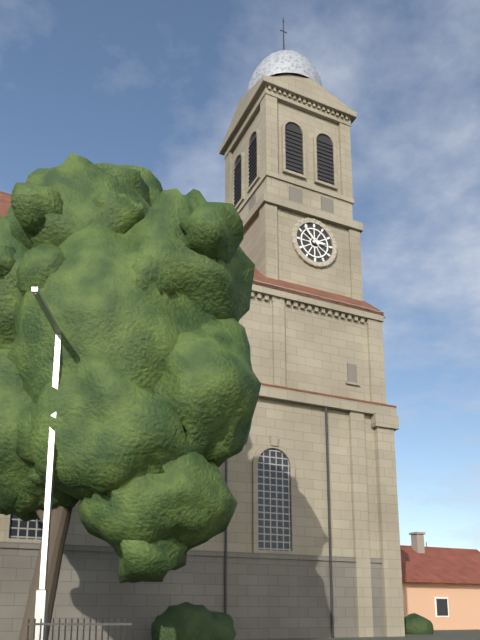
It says 2 h 53 min
